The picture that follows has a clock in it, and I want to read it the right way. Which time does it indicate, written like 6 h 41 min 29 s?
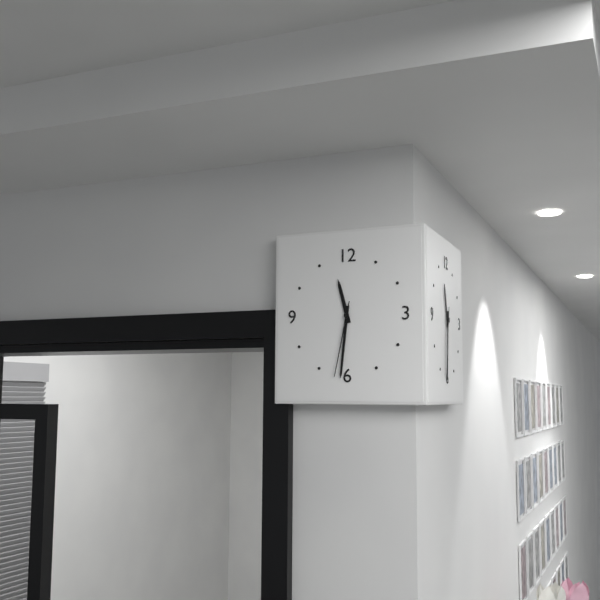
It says 11 h 31 min 32 s
